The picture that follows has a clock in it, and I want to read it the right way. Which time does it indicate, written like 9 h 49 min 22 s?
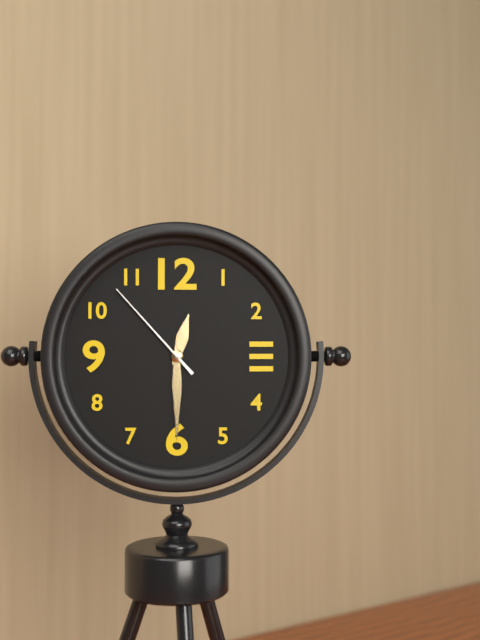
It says 12 h 30 min 53 s
